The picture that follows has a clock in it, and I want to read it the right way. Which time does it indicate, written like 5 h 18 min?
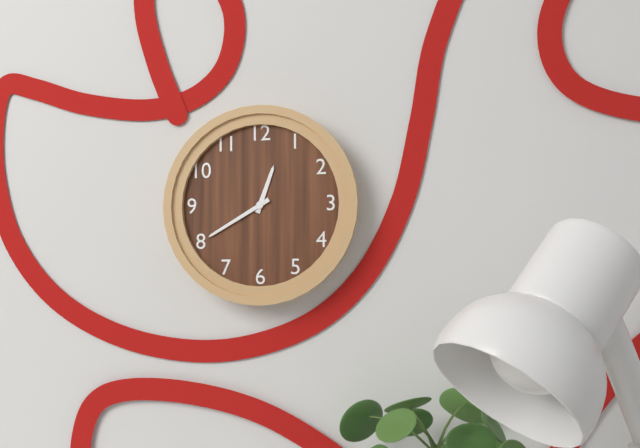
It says 12 h 40 min
